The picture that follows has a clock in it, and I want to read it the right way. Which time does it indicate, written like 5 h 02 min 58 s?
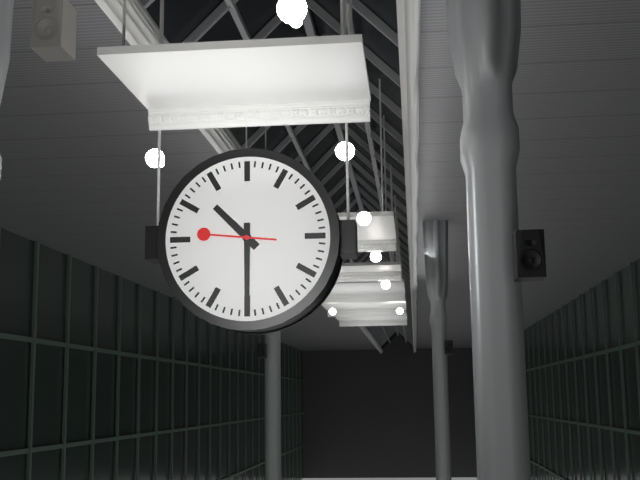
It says 10 h 30 min 46 s
